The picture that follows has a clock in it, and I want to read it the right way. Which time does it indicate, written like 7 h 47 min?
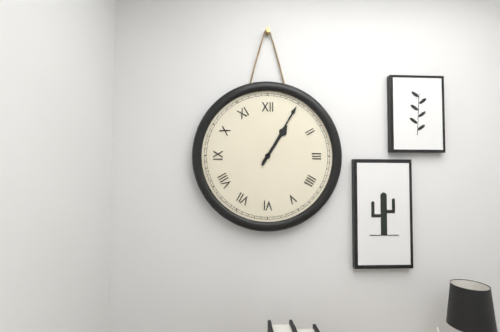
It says 1 h 05 min
